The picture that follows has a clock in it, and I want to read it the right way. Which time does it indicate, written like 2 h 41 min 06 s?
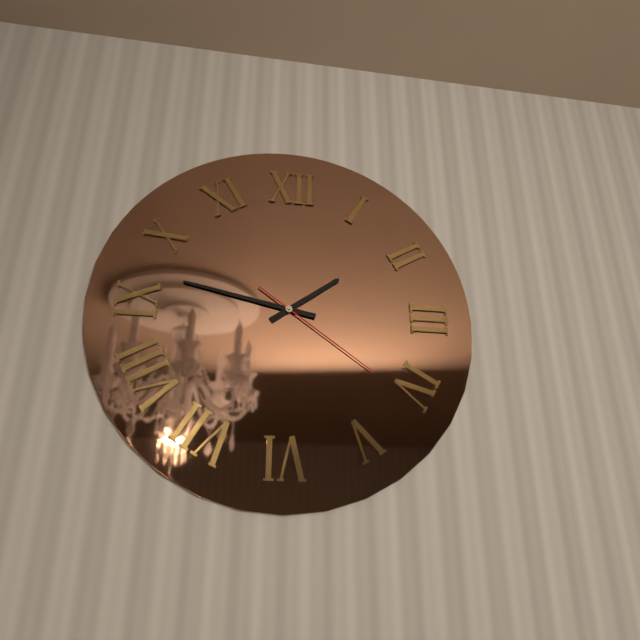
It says 1 h 47 min 21 s
